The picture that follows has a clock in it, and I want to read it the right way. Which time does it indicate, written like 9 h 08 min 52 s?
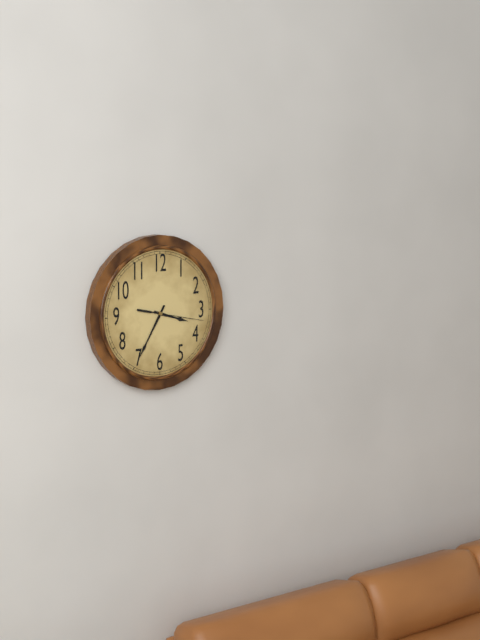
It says 3 h 35 min 17 s
